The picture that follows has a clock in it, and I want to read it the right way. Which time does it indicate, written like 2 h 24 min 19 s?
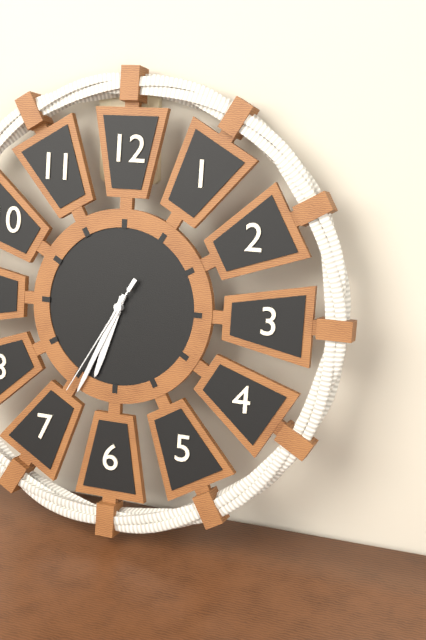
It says 6 h 34 min 35 s
